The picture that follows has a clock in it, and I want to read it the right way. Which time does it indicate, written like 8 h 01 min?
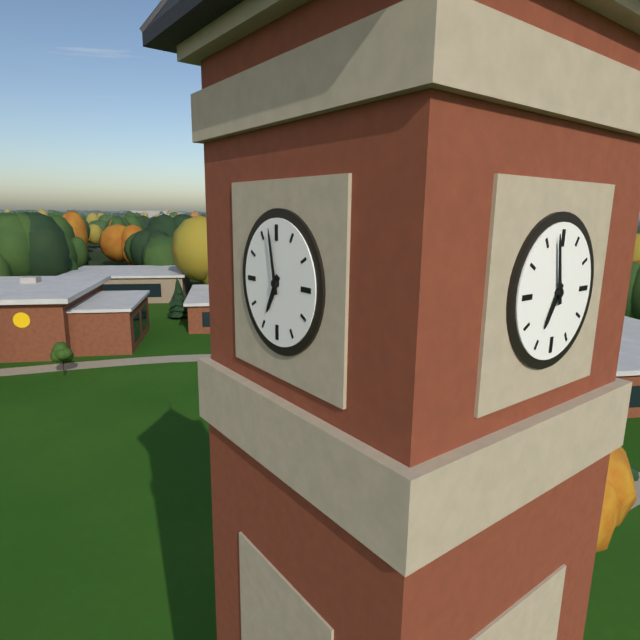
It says 6 h 58 min
